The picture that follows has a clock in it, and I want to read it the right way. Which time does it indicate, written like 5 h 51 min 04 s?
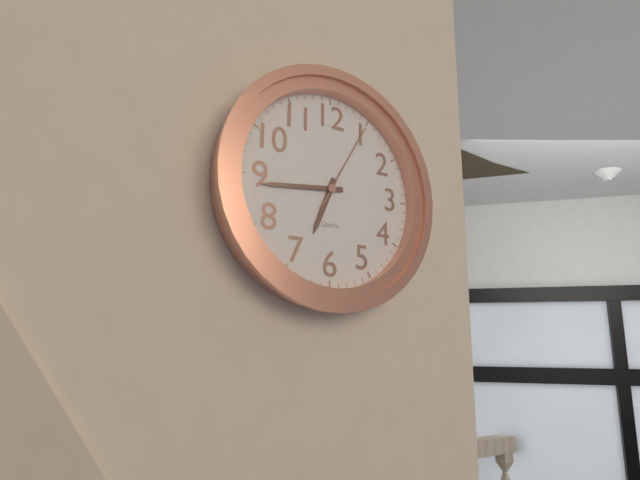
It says 6 h 44 min 05 s
